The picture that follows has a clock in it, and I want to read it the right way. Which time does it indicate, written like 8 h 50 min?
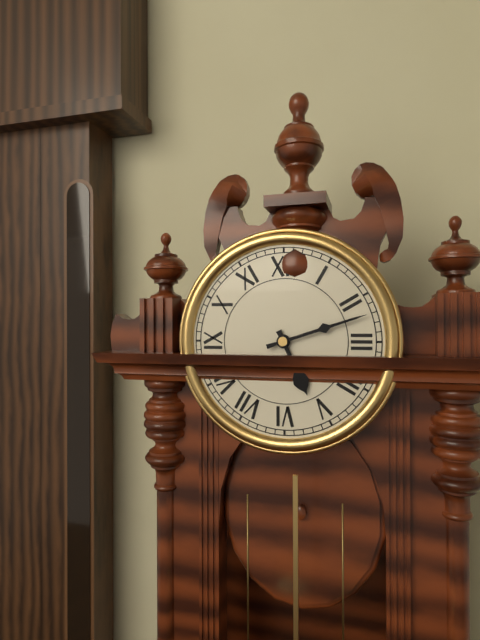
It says 5 h 12 min
